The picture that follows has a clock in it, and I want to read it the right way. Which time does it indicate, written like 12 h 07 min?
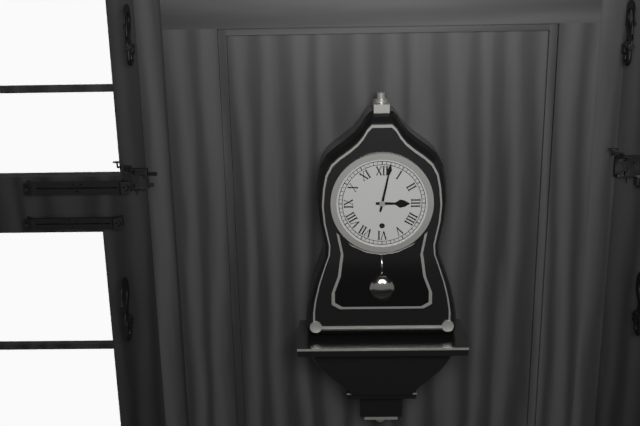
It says 3 h 02 min
